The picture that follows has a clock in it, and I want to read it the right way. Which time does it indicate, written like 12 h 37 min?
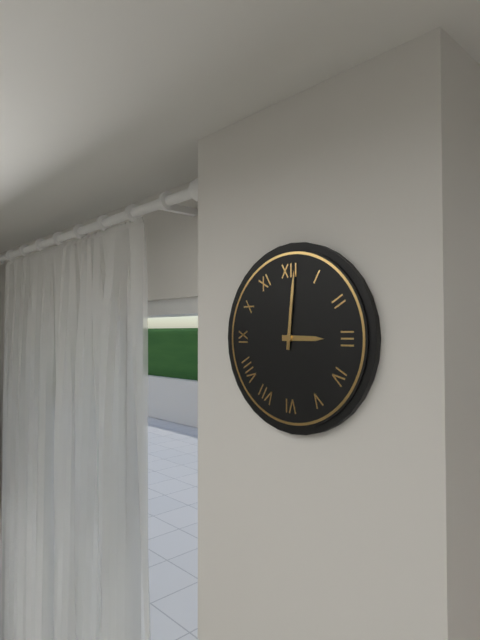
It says 3 h 01 min
